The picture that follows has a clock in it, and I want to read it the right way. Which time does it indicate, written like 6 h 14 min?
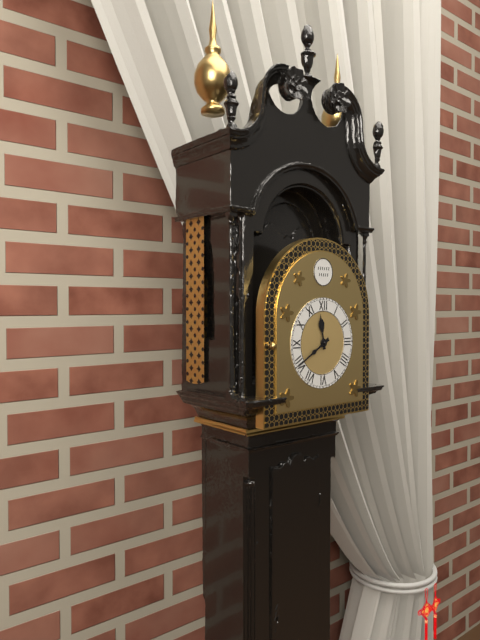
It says 11 h 40 min
